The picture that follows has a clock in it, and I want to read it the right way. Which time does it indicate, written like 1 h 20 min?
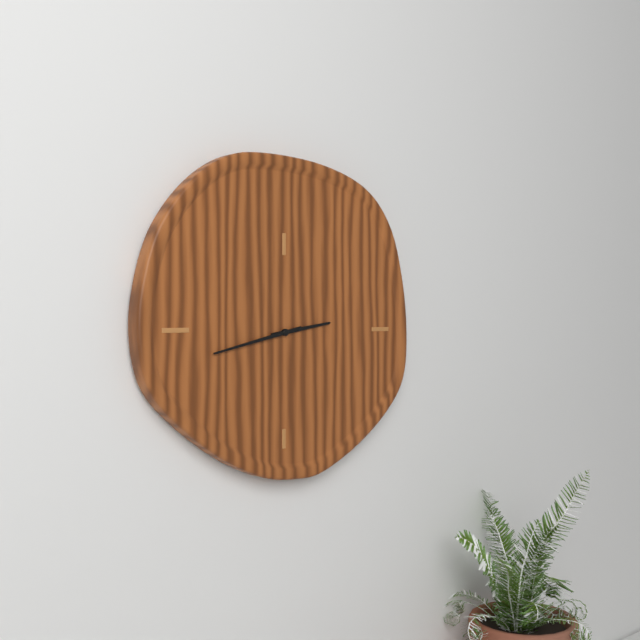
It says 2 h 43 min
